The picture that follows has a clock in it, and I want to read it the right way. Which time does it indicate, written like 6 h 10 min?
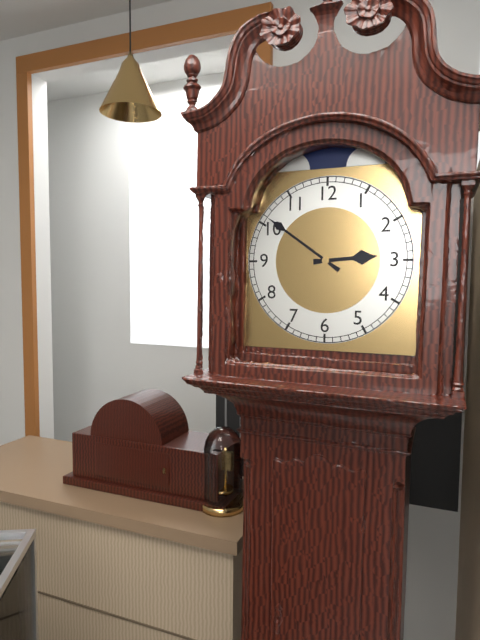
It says 2 h 51 min
